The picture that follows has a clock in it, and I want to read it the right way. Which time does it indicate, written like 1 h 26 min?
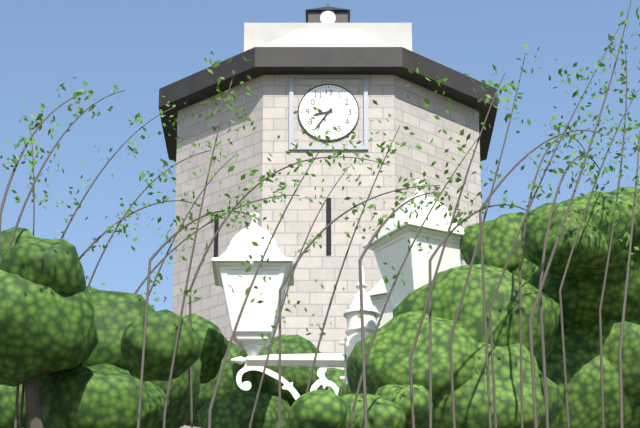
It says 8 h 36 min
